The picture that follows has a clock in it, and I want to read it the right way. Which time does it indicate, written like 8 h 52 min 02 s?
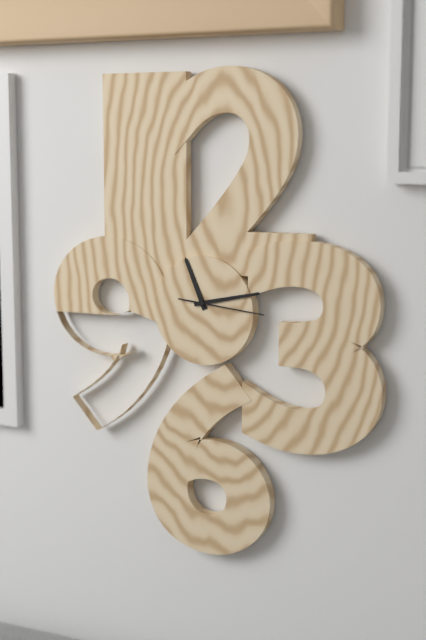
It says 11 h 13 min 16 s
